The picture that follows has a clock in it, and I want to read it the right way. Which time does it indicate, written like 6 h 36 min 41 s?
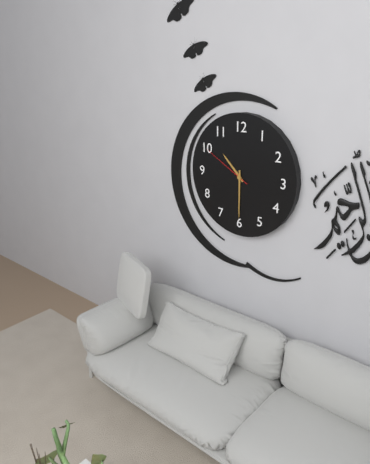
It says 10 h 30 min 50 s
